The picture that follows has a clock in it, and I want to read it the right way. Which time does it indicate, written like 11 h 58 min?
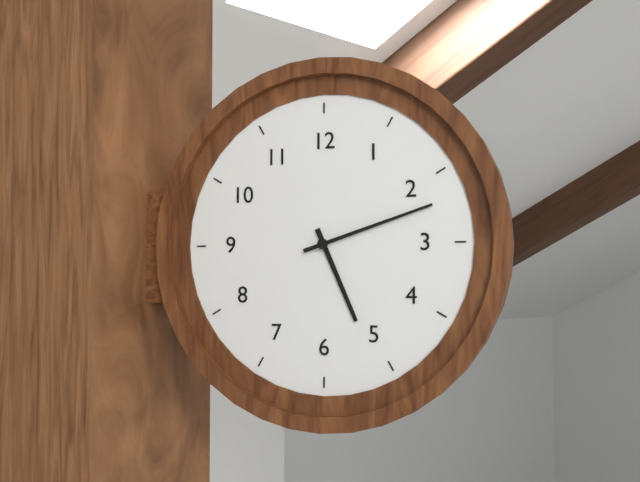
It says 5 h 12 min
